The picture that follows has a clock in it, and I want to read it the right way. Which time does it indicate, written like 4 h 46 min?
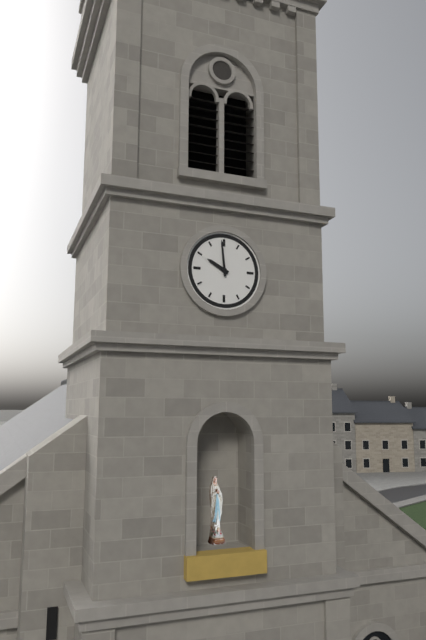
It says 9 h 59 min
